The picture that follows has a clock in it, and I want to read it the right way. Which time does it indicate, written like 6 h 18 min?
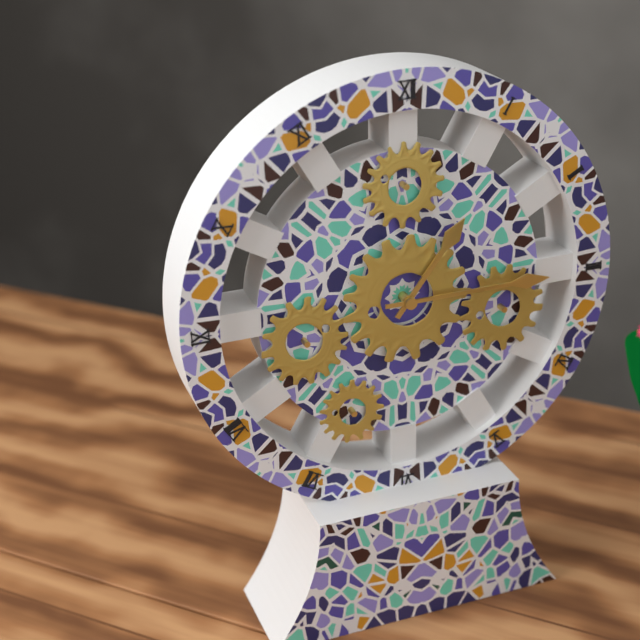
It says 1 h 15 min
